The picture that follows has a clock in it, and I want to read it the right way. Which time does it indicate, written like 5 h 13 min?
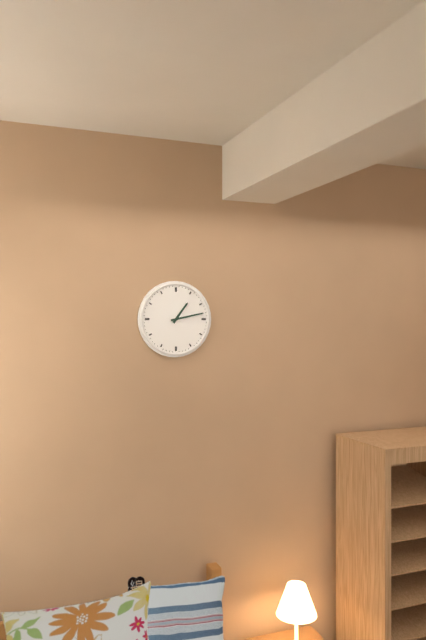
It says 1 h 13 min
